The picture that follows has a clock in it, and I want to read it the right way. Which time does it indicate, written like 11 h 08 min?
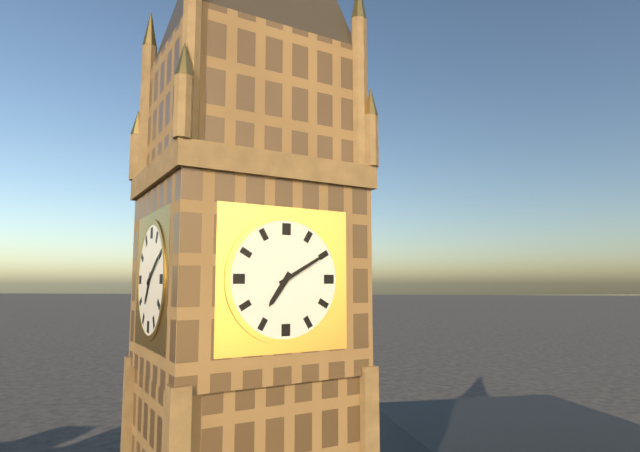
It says 7 h 10 min
